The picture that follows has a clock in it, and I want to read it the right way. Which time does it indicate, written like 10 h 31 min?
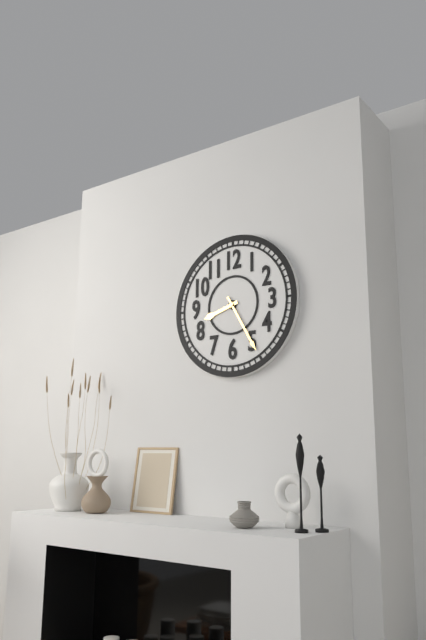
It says 8 h 25 min
